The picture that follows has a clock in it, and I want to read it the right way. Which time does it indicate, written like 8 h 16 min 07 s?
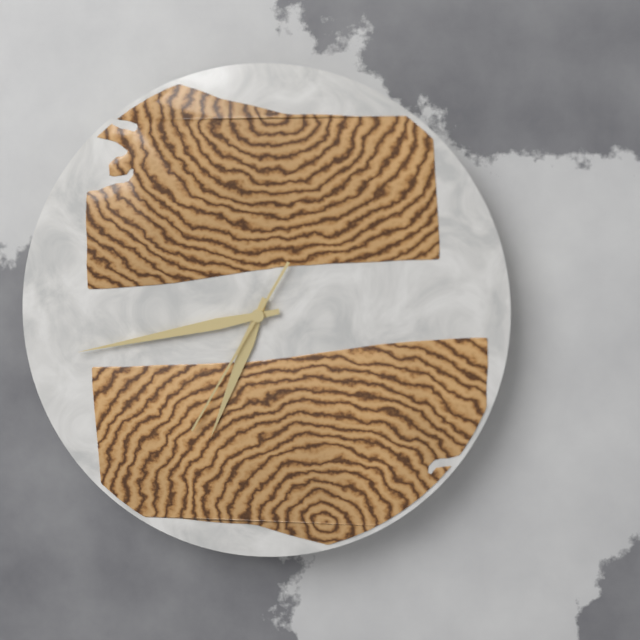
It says 6 h 43 min 35 s
